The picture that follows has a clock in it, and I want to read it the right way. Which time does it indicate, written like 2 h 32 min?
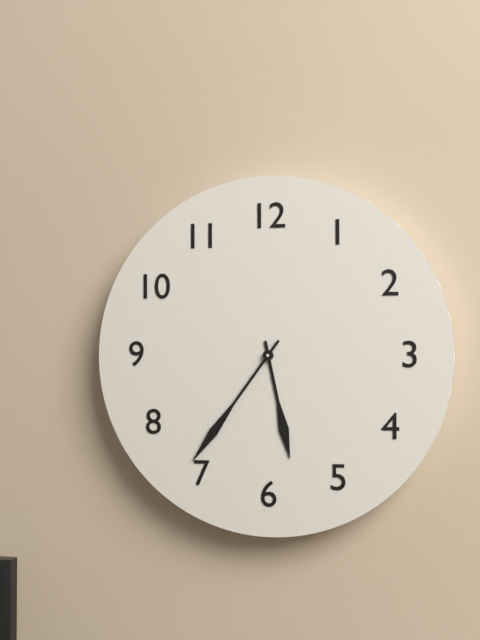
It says 5 h 36 min
